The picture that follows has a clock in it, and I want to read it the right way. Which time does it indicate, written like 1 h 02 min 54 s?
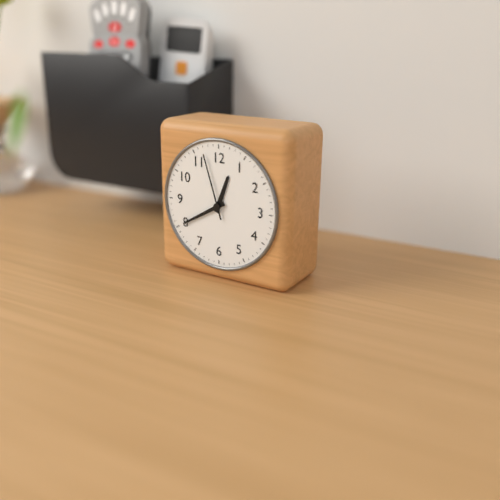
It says 12 h 40 min 57 s
